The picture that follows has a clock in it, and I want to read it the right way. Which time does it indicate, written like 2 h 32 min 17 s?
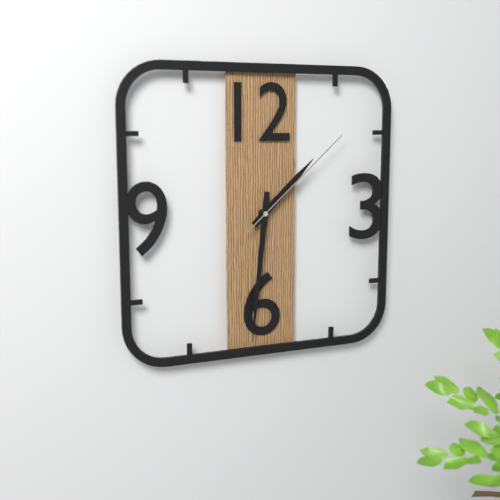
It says 1 h 31 min 08 s
